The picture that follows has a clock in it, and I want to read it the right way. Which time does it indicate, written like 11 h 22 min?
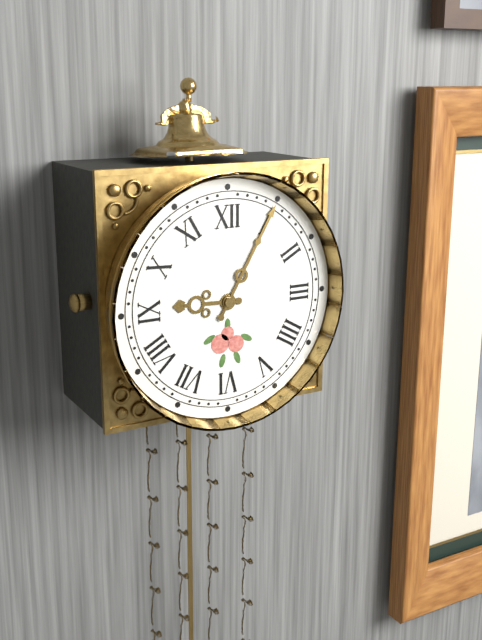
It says 9 h 05 min
